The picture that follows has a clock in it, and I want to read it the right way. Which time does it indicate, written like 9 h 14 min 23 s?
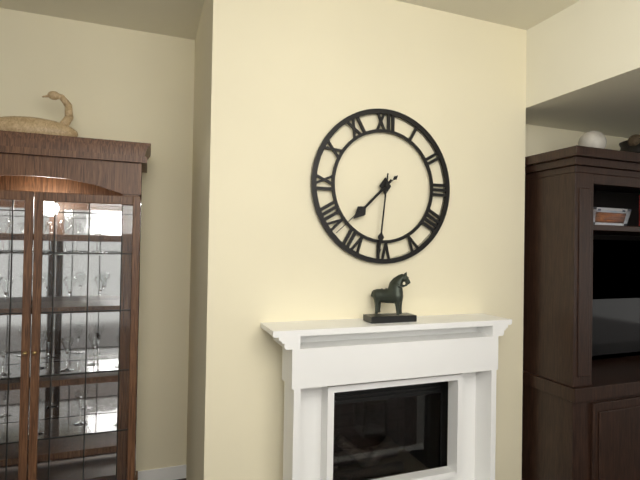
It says 7 h 31 min 38 s
